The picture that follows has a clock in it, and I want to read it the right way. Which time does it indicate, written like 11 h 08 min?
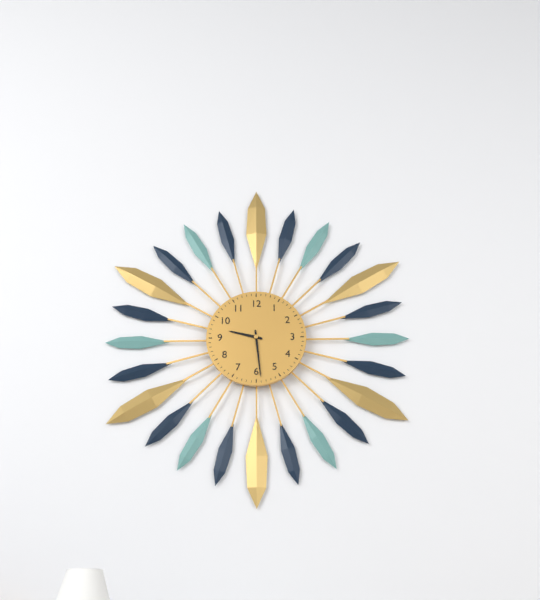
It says 9 h 29 min
